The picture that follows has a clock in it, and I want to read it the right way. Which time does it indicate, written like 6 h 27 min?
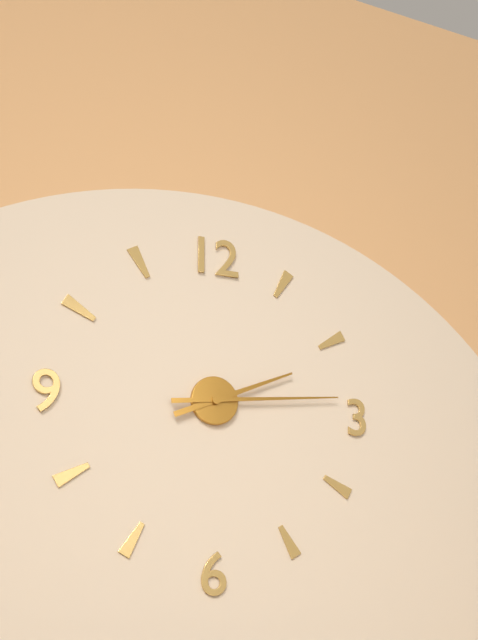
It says 2 h 14 min
